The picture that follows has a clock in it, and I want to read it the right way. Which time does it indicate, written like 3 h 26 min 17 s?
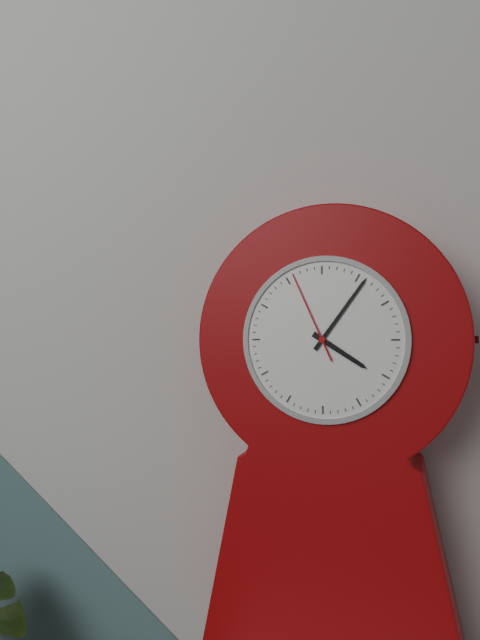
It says 4 h 06 min 56 s
